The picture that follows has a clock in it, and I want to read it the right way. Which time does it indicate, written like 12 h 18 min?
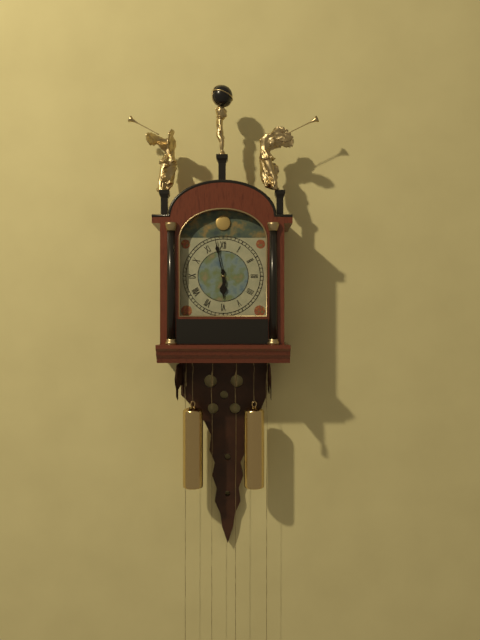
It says 5 h 58 min
